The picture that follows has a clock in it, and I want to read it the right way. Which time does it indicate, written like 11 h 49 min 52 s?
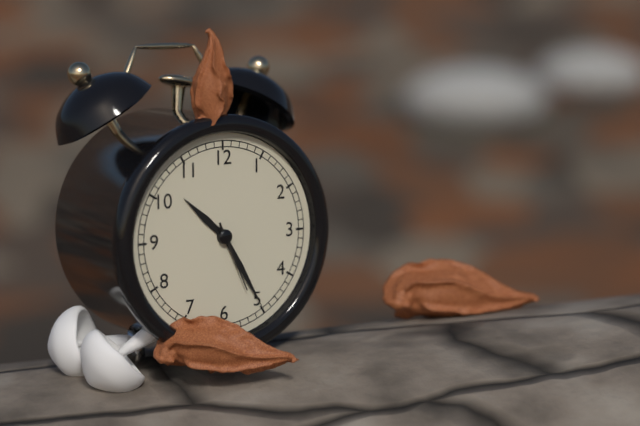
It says 10 h 25 min 26 s
